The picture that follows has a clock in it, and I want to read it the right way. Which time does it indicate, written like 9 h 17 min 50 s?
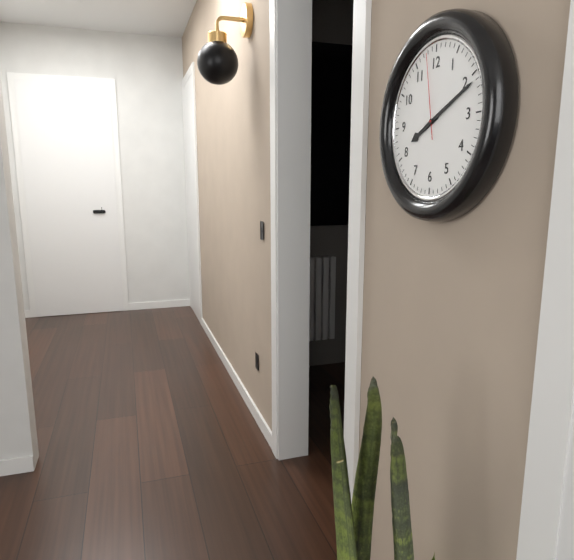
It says 8 h 11 min 58 s
